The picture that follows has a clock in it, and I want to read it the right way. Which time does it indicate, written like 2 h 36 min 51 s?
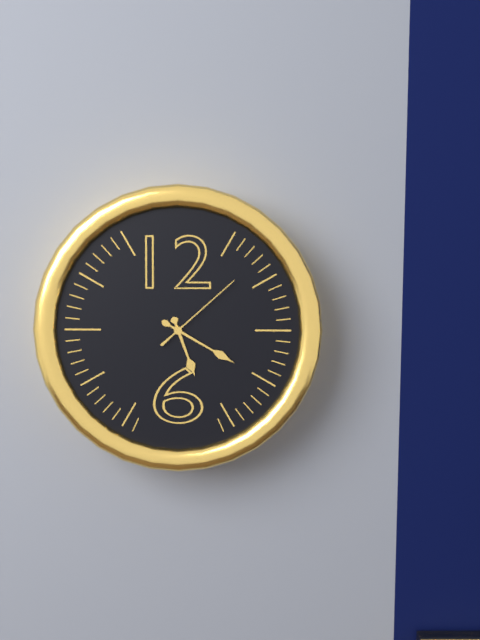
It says 5 h 20 min 08 s
